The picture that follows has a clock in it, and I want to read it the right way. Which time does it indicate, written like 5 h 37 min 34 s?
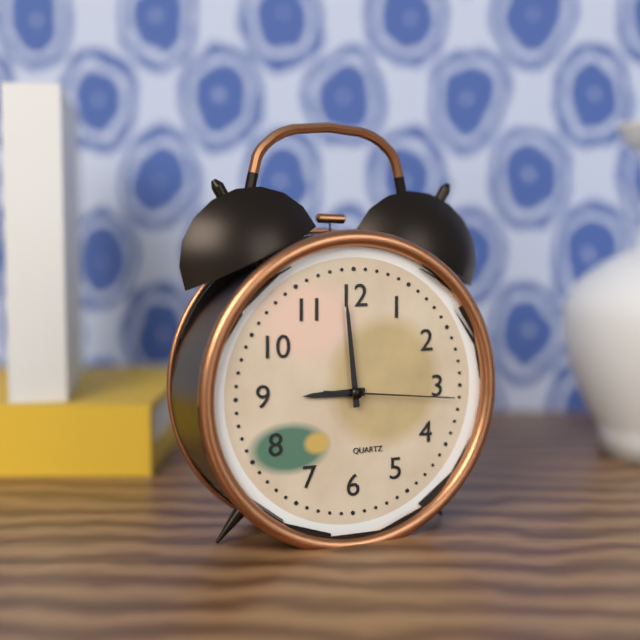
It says 8 h 59 min 16 s
